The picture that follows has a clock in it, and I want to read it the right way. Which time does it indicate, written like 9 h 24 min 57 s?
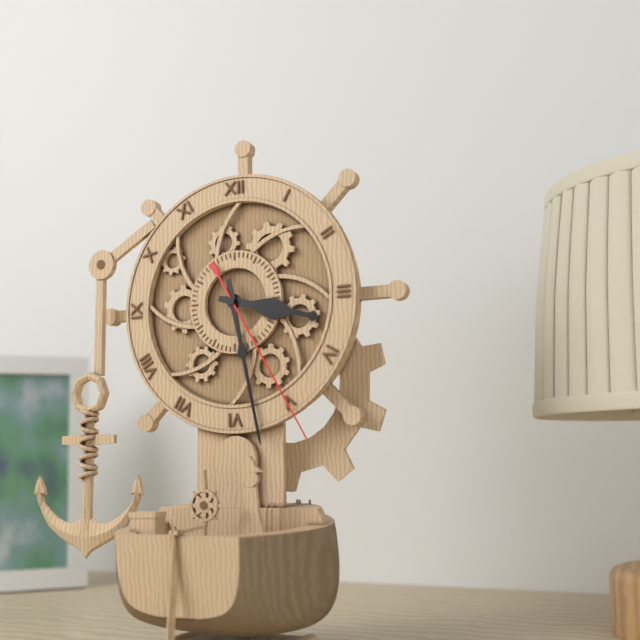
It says 3 h 28 min 25 s
